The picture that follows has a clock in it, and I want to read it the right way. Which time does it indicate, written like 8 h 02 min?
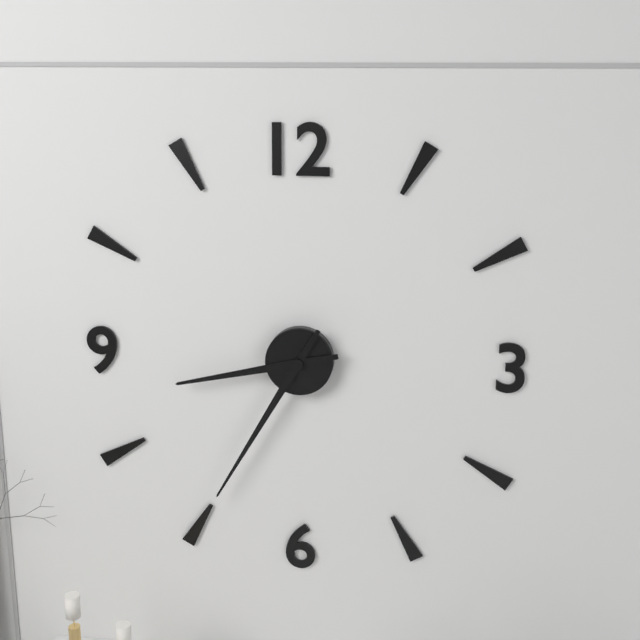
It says 8 h 35 min
